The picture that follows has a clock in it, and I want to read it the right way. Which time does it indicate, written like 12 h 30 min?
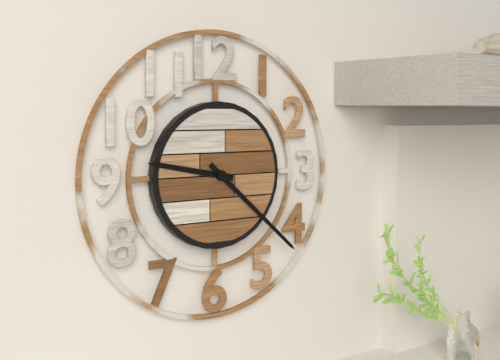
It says 9 h 22 min
